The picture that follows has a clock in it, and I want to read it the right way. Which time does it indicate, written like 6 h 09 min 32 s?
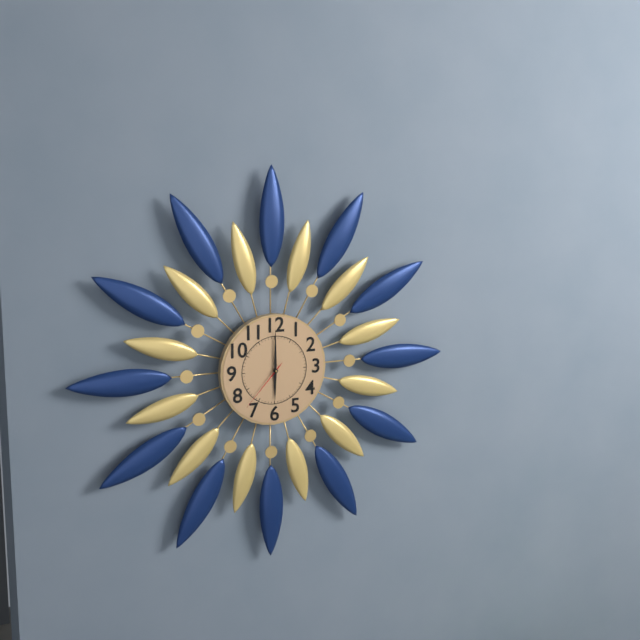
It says 6 h 00 min 37 s
